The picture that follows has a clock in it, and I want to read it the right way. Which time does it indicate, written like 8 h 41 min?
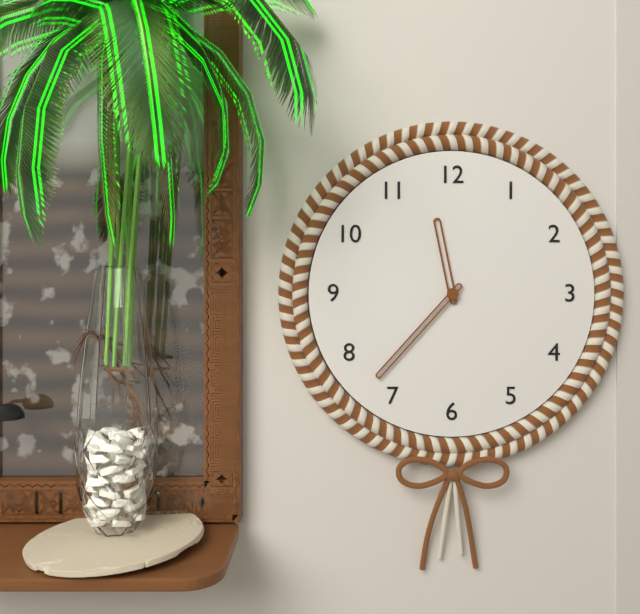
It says 11 h 37 min
